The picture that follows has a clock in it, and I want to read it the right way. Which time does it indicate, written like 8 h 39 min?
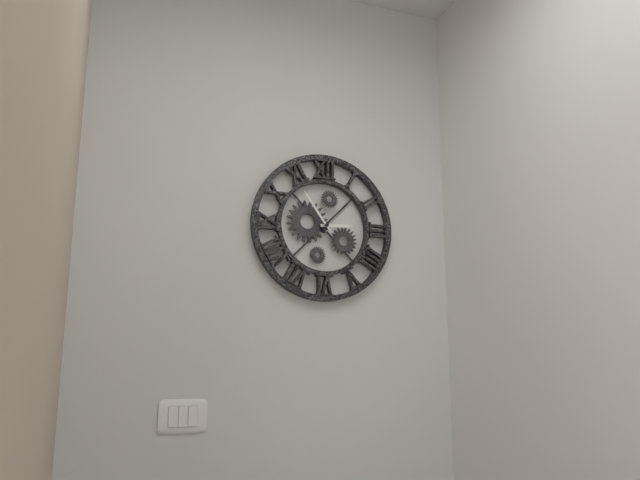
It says 2 h 54 min
